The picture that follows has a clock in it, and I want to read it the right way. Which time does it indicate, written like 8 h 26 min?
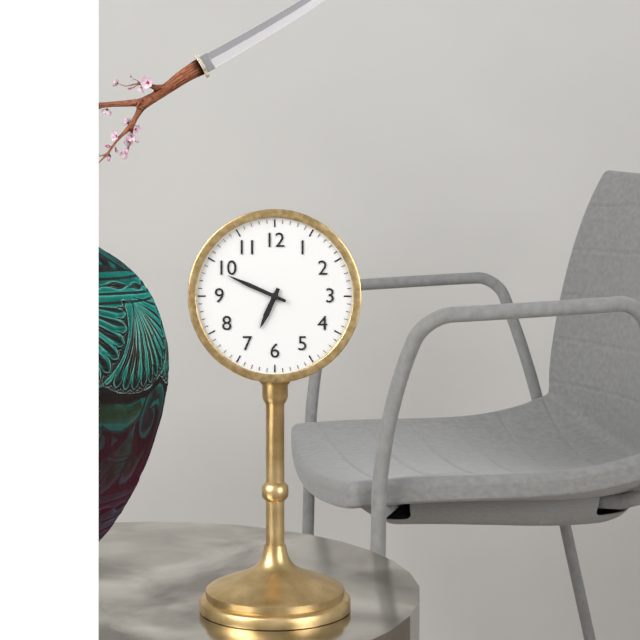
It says 6 h 49 min
